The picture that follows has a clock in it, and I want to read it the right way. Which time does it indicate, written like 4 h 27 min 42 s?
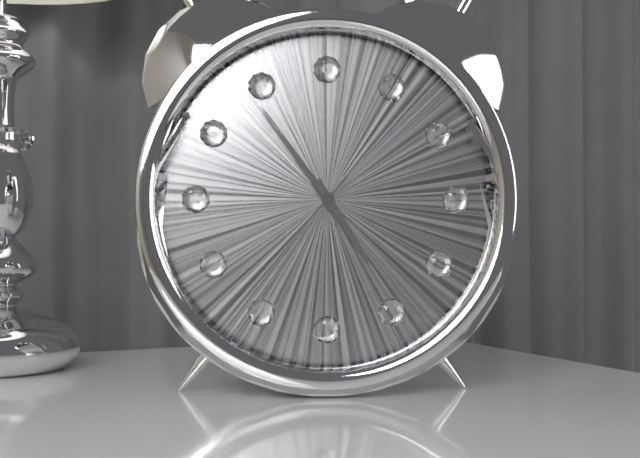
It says 4 h 54 min 37 s
